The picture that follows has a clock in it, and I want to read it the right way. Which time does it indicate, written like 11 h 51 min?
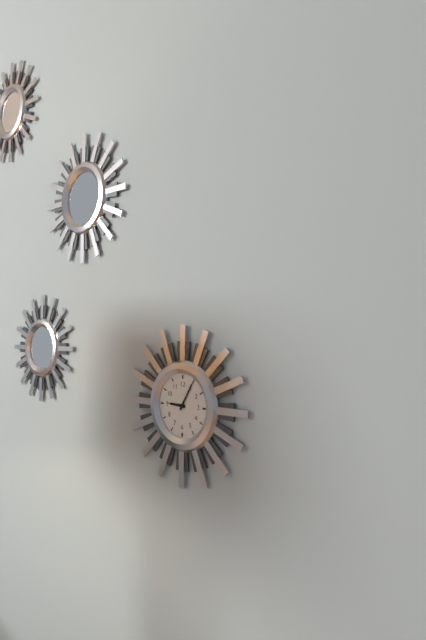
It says 9 h 05 min
